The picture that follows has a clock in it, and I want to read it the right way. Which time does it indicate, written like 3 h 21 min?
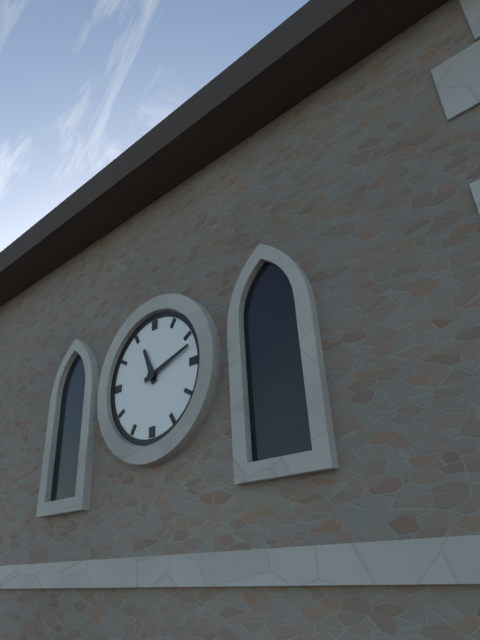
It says 11 h 12 min
